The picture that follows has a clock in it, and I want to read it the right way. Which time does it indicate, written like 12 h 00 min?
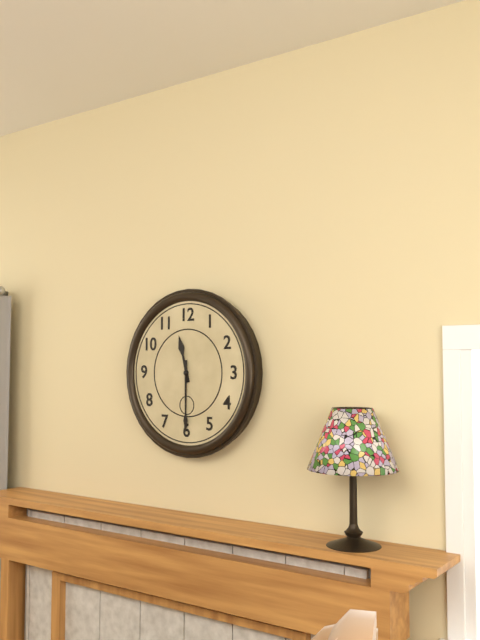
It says 11 h 30 min
